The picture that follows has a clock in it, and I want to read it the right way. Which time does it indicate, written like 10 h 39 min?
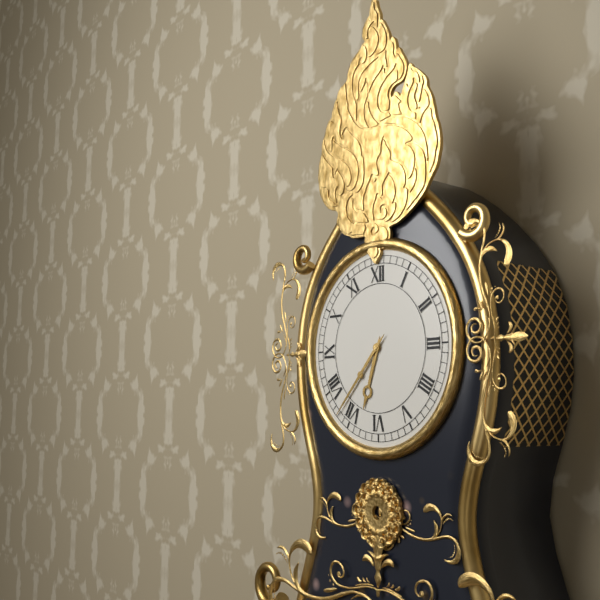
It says 6 h 37 min
